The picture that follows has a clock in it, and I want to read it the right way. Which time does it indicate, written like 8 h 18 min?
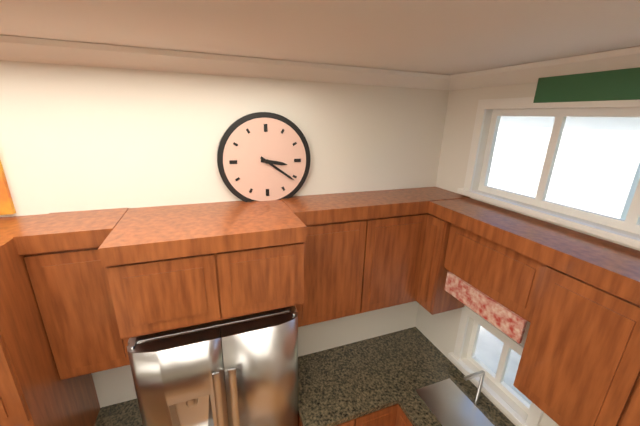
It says 3 h 21 min
